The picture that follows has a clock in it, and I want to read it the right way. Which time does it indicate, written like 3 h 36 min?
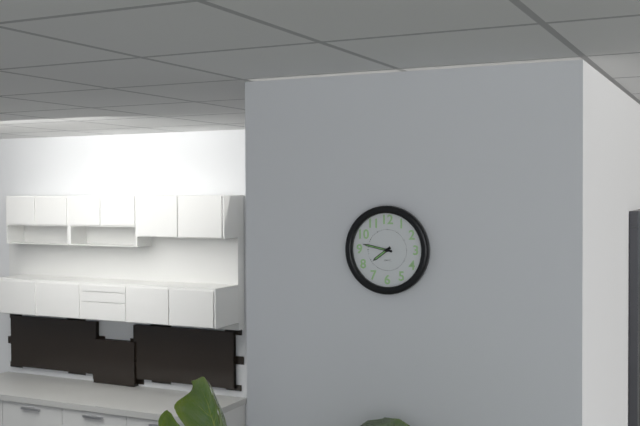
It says 7 h 47 min
